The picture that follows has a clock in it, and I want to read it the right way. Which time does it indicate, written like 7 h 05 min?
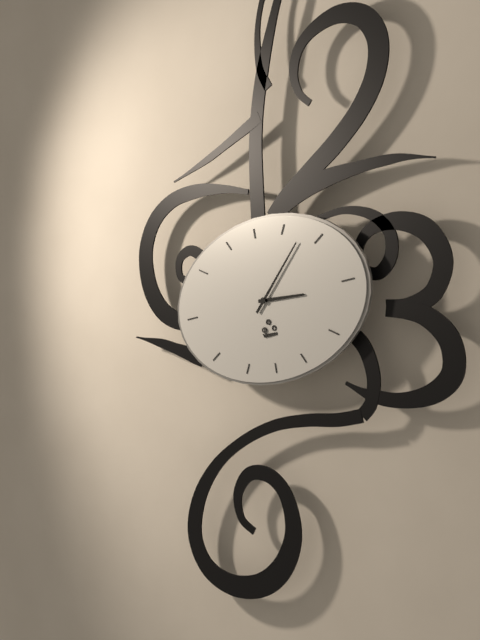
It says 3 h 08 min
